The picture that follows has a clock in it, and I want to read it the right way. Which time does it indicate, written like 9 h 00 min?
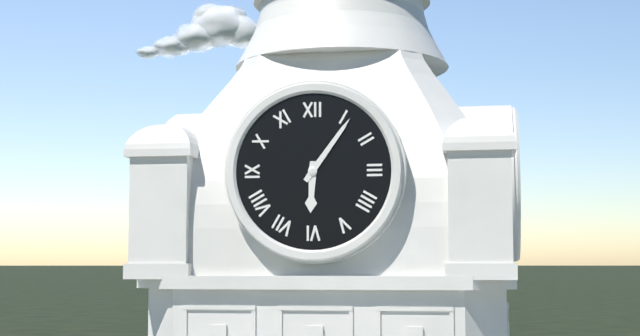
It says 6 h 06 min
